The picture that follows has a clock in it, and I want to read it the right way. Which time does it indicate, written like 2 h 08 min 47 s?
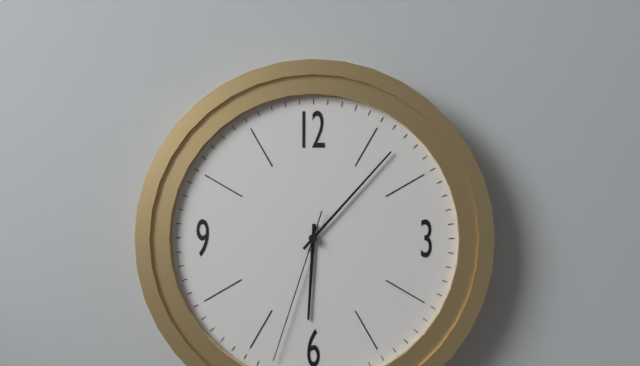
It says 6 h 07 min 33 s
